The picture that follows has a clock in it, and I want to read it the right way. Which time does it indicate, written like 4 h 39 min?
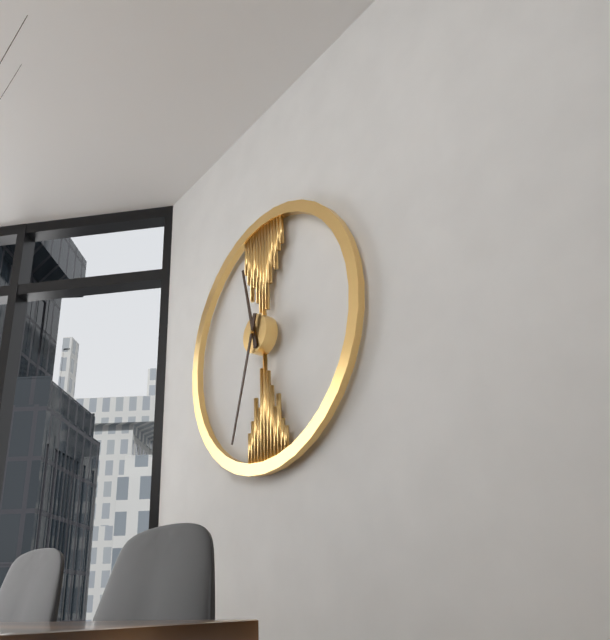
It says 11 h 33 min
